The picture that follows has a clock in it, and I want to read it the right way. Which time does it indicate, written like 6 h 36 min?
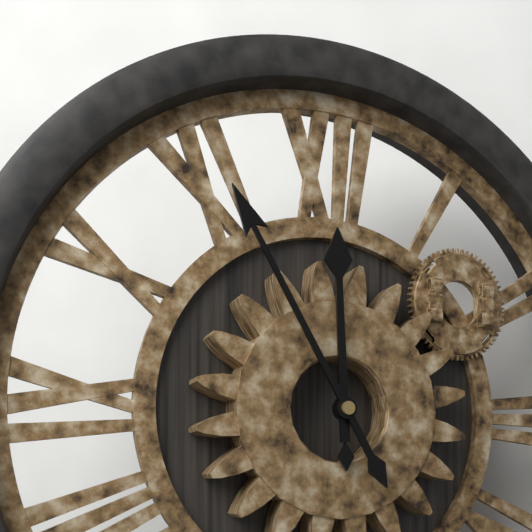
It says 11 h 55 min
